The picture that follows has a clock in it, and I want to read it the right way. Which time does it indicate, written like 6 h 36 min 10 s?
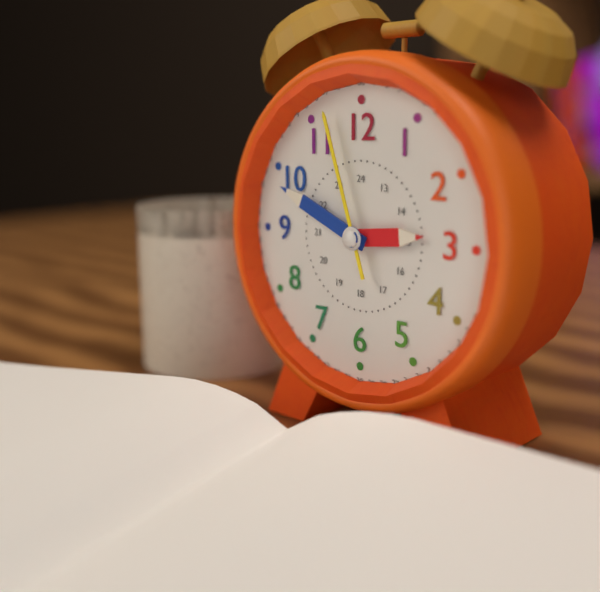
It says 2 h 49 min 57 s
